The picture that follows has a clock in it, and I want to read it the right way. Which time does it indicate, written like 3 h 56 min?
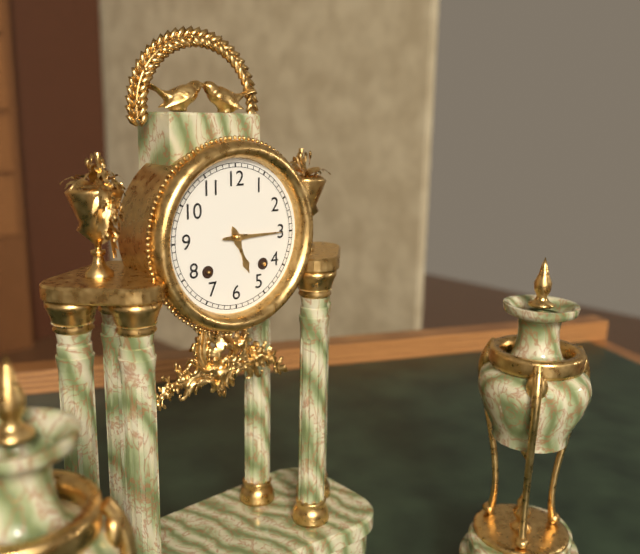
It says 5 h 15 min
